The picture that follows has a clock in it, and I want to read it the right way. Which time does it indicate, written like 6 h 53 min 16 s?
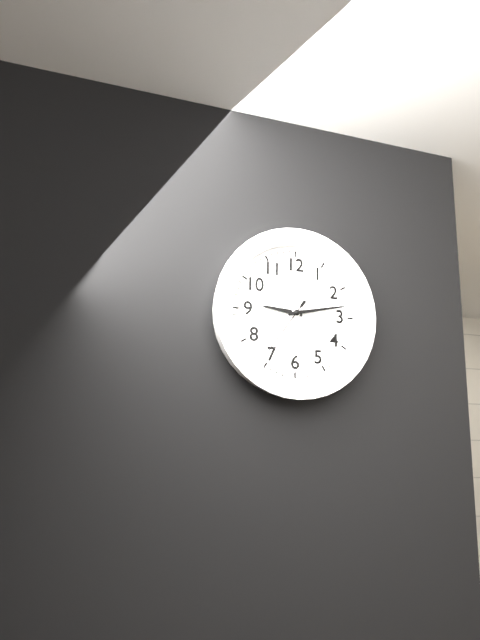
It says 9 h 13 min 36 s
